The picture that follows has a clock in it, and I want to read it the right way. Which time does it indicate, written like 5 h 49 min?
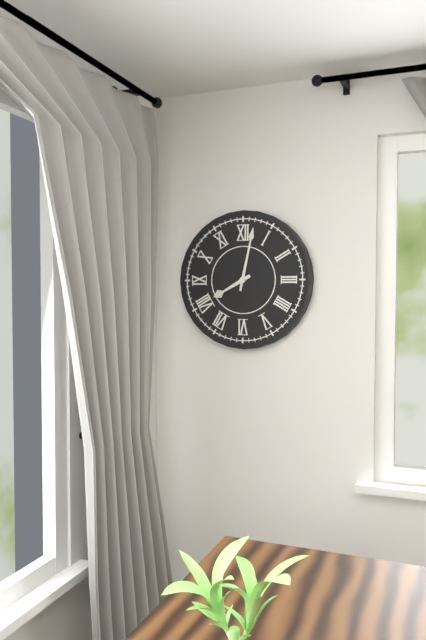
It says 8 h 02 min
